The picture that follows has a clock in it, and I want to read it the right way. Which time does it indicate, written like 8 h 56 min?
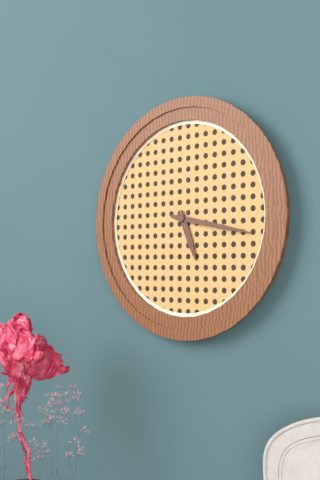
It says 5 h 17 min
